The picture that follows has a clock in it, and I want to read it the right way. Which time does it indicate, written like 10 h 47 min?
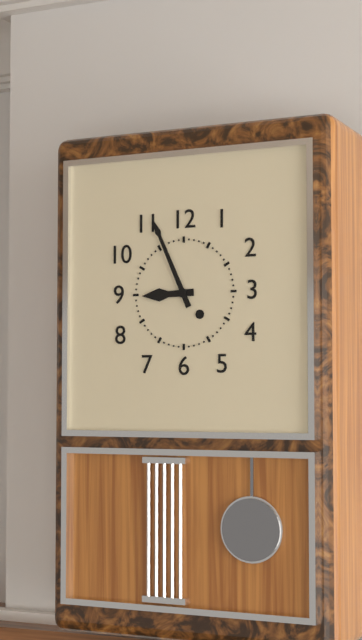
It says 8 h 56 min
